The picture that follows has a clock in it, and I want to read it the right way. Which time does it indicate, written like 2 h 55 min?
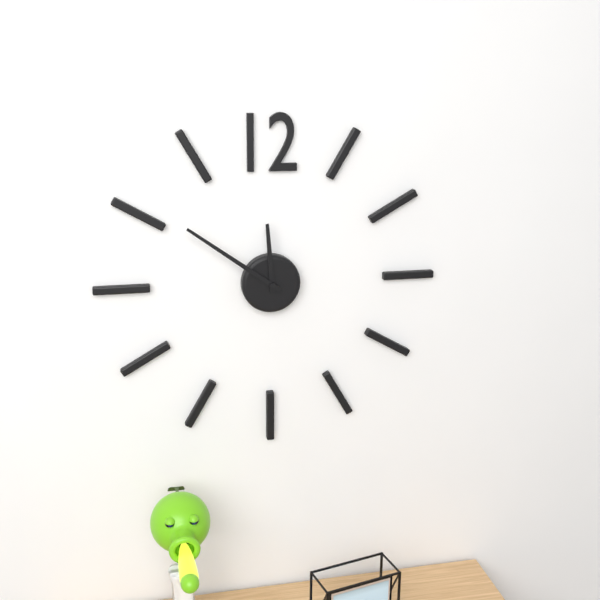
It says 11 h 51 min
